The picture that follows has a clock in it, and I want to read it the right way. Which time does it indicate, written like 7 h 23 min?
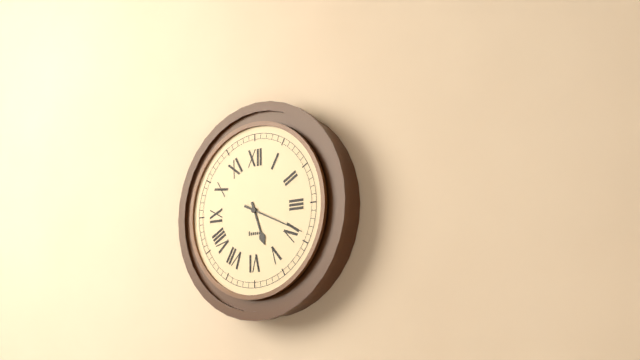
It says 5 h 19 min
